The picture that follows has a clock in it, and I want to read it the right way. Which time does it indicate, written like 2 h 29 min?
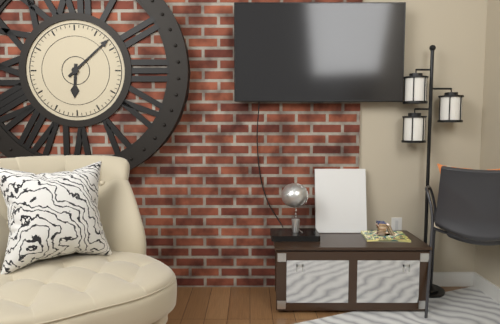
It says 6 h 08 min
